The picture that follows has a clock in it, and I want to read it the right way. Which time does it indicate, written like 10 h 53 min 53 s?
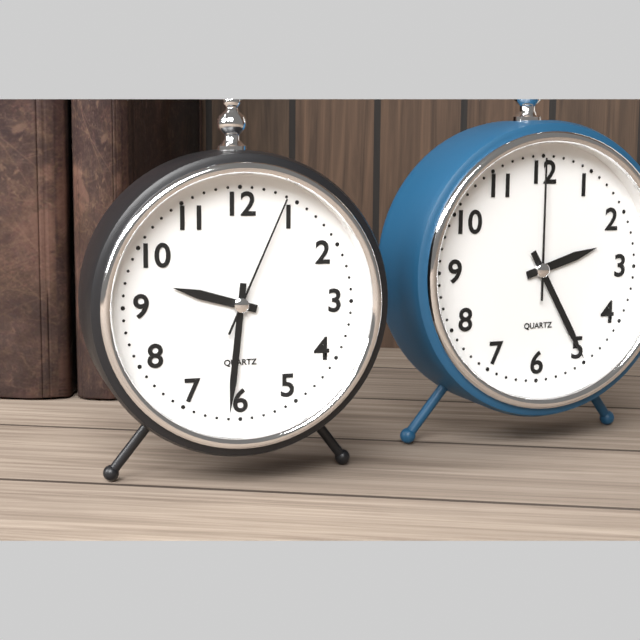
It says 9 h 31 min 04 s
